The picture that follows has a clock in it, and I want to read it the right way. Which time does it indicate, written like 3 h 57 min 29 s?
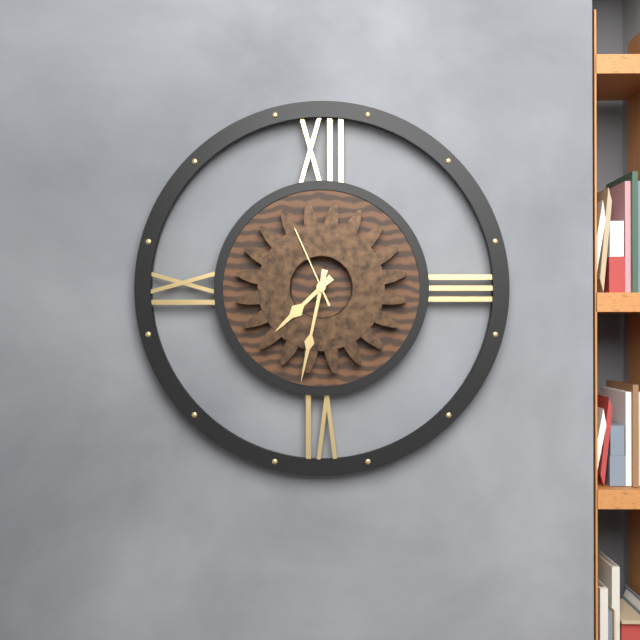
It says 7 h 32 min 56 s
